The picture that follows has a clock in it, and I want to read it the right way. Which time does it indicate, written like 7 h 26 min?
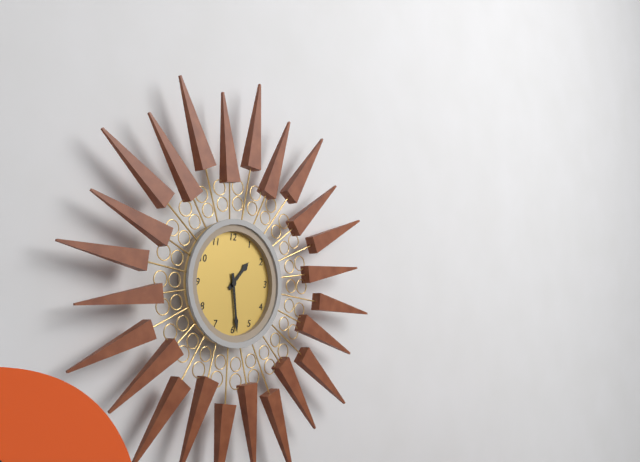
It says 1 h 29 min
